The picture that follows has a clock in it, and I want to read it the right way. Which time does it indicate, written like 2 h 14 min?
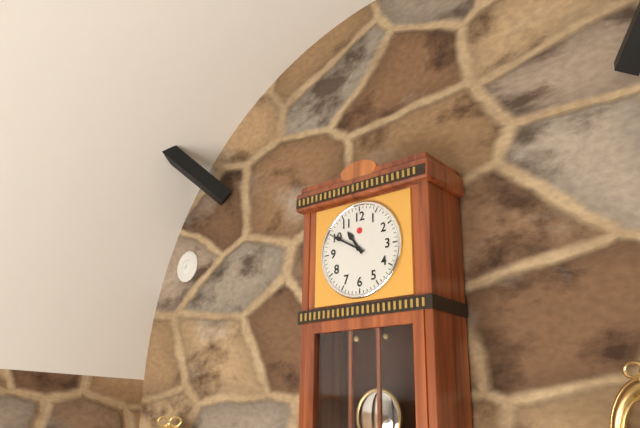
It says 10 h 50 min
